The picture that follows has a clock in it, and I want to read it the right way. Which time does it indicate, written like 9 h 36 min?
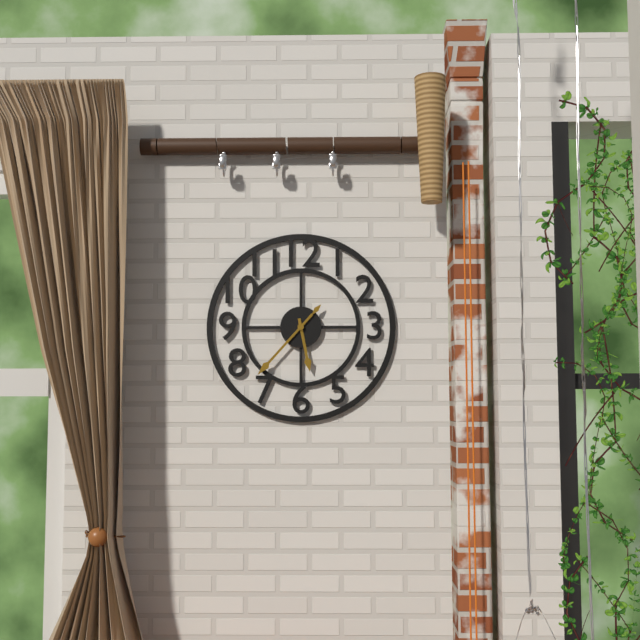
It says 5 h 37 min
